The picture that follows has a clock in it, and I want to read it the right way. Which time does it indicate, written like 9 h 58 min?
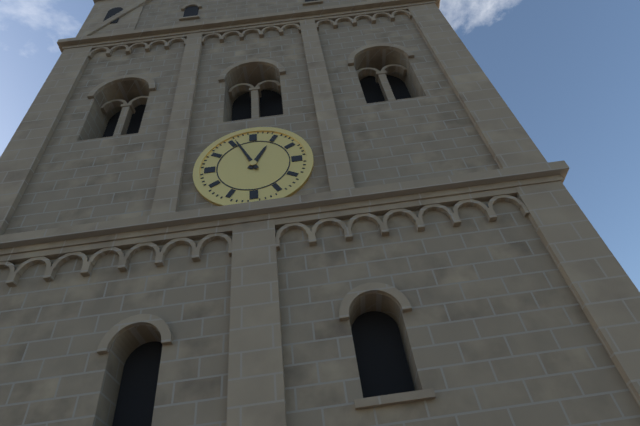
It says 12 h 56 min
